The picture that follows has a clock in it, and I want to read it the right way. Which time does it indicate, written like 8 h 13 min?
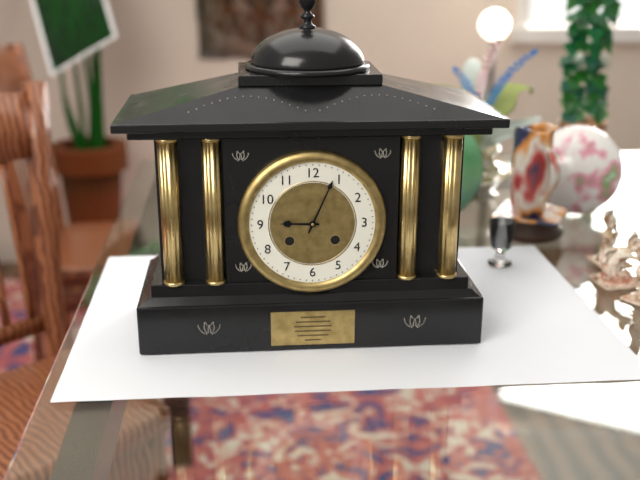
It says 9 h 04 min
